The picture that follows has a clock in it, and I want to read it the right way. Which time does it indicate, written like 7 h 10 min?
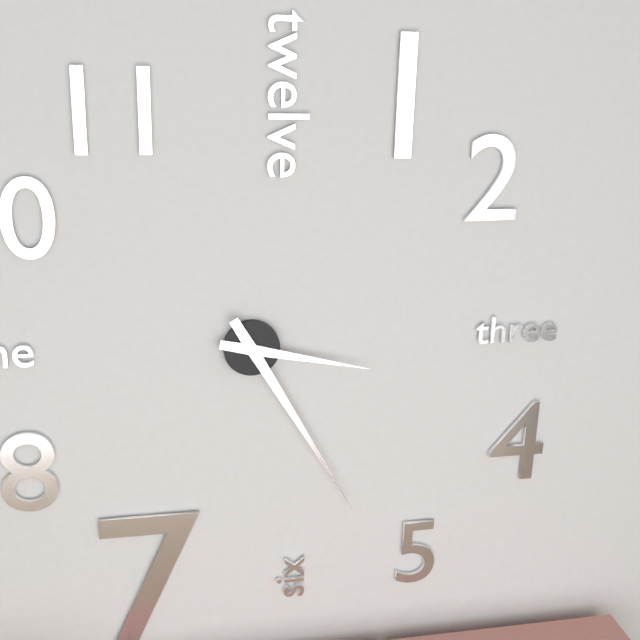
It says 3 h 25 min
